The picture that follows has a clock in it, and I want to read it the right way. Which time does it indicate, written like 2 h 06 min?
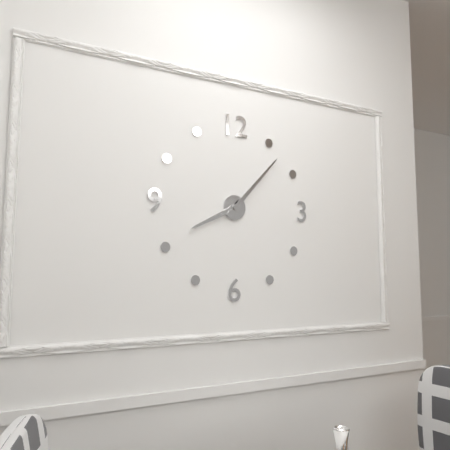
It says 8 h 07 min
